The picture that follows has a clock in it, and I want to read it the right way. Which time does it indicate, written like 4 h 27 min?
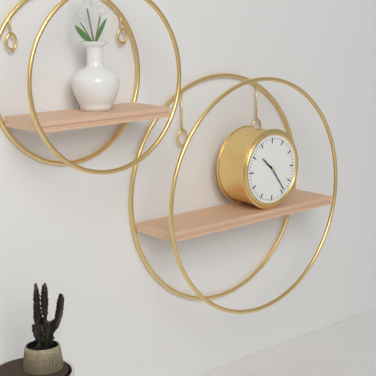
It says 10 h 24 min
